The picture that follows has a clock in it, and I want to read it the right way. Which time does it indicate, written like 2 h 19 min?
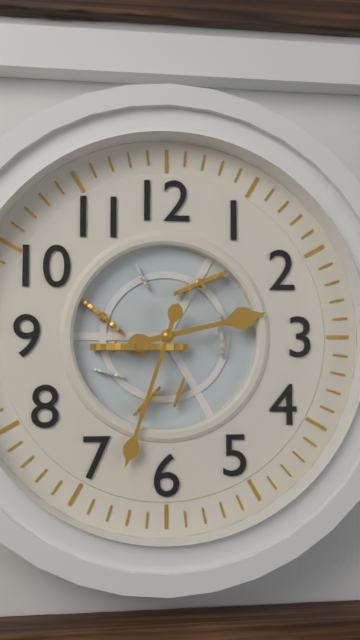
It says 2 h 33 min
